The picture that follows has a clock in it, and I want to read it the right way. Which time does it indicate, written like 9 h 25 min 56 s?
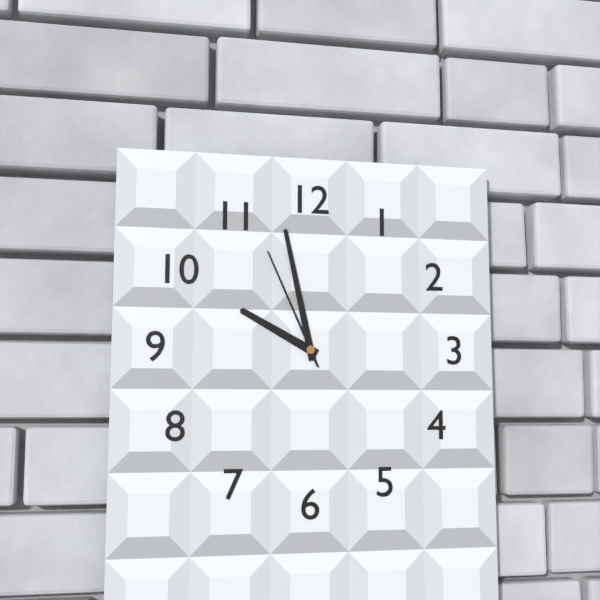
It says 9 h 58 min 56 s
